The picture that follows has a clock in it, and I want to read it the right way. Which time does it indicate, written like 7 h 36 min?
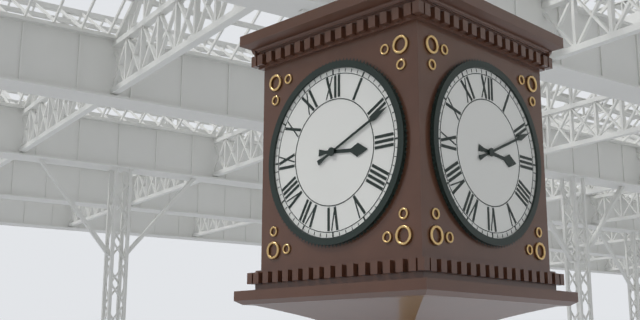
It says 3 h 11 min
